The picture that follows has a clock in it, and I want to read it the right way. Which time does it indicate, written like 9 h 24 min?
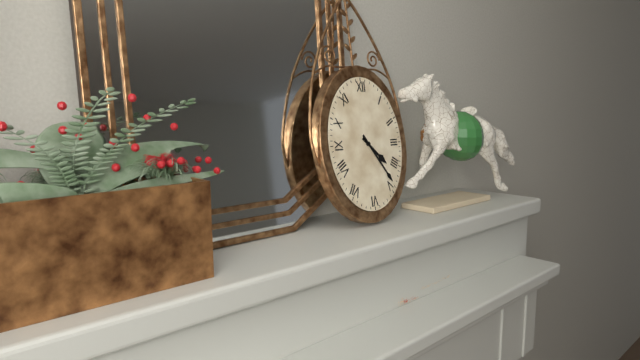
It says 4 h 24 min
